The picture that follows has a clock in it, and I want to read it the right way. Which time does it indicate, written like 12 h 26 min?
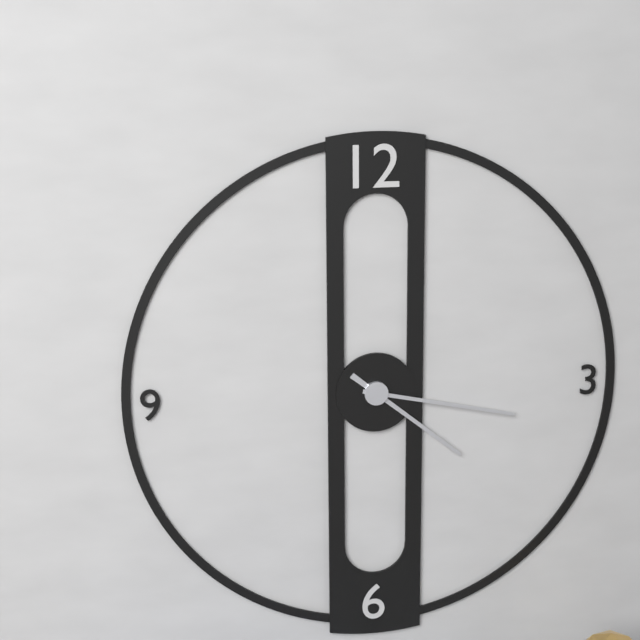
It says 4 h 17 min
